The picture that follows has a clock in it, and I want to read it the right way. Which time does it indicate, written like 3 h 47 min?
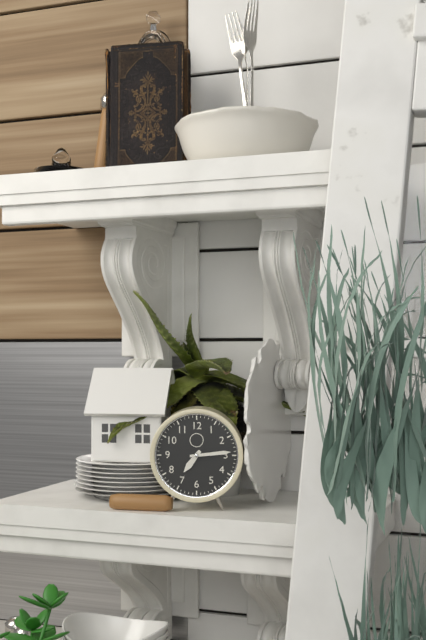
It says 7 h 14 min
